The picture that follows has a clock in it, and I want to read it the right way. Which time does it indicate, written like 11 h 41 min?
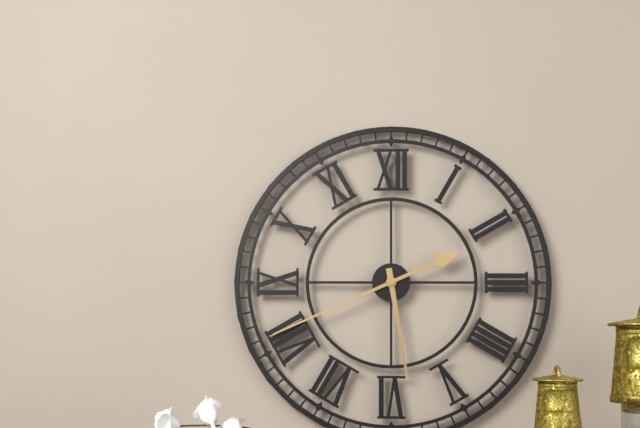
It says 5 h 41 min
